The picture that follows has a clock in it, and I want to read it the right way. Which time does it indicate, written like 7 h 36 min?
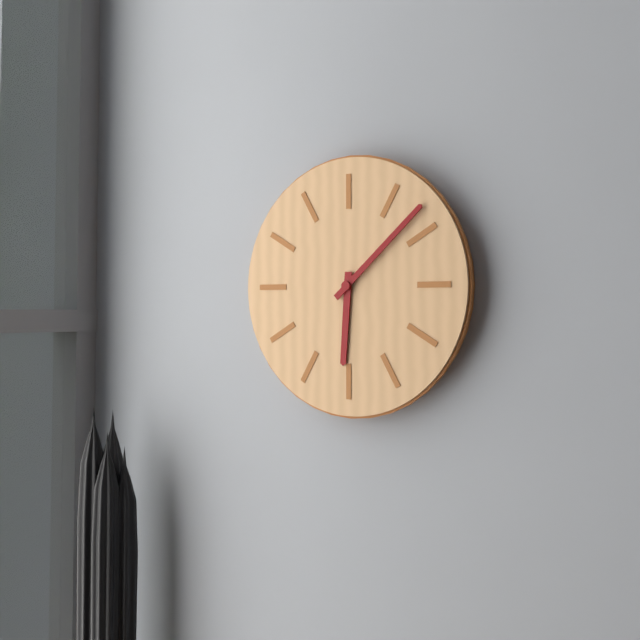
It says 6 h 08 min
